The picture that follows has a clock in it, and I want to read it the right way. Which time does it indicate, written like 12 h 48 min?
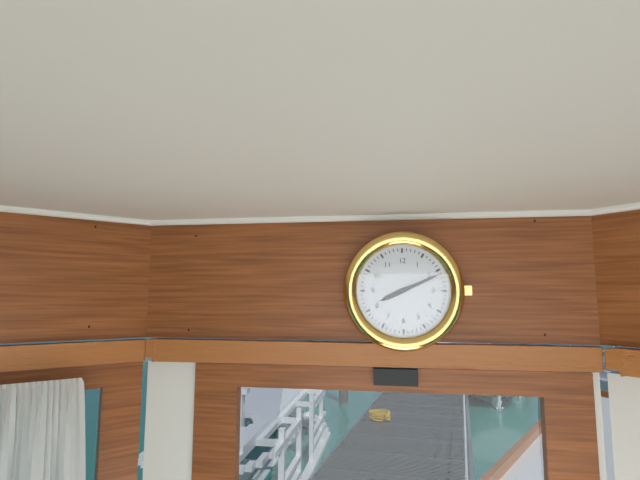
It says 8 h 11 min
